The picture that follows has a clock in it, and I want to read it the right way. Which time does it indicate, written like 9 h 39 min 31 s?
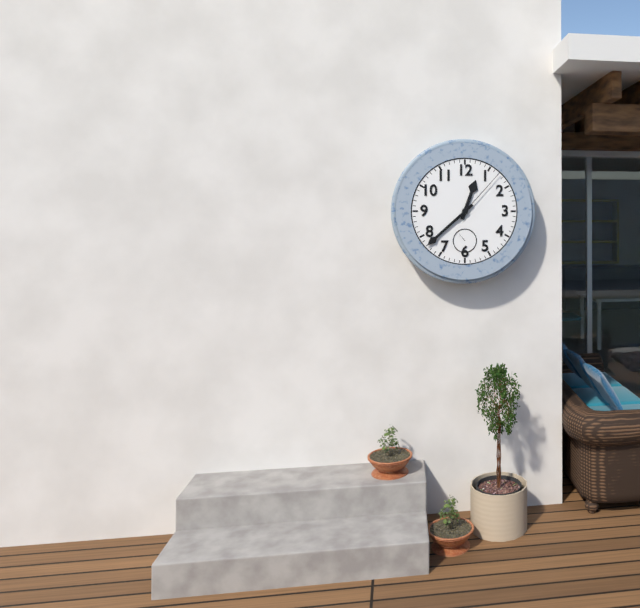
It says 12 h 38 min 07 s
